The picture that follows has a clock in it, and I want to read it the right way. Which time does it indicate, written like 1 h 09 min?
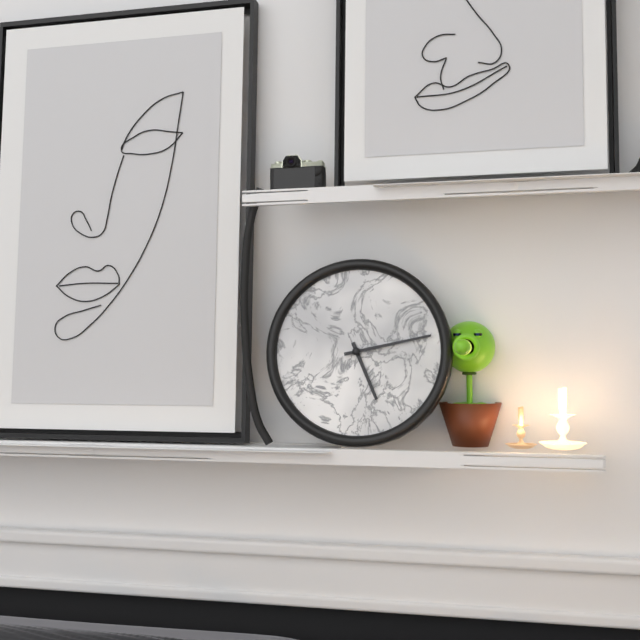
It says 5 h 13 min
